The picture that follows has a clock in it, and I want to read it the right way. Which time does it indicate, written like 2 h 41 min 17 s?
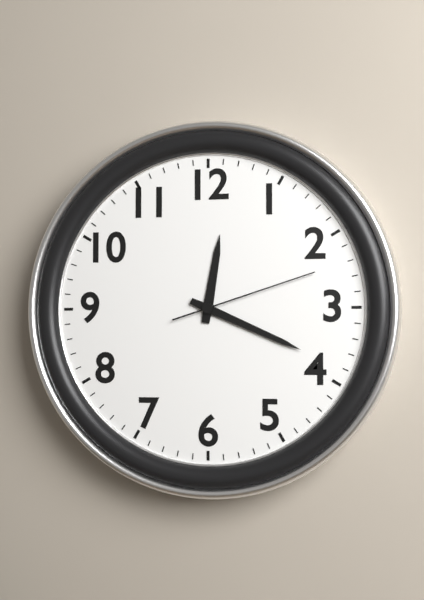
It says 12 h 19 min 12 s
